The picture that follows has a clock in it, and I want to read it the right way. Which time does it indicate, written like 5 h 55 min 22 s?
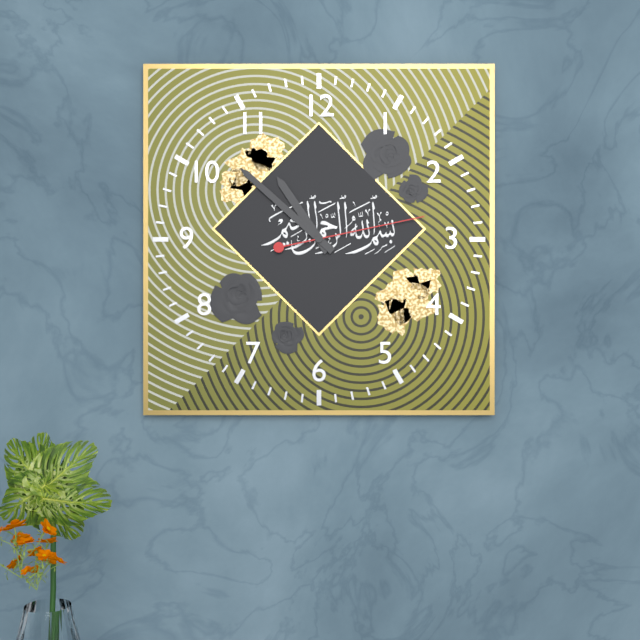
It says 10 h 52 min 13 s
